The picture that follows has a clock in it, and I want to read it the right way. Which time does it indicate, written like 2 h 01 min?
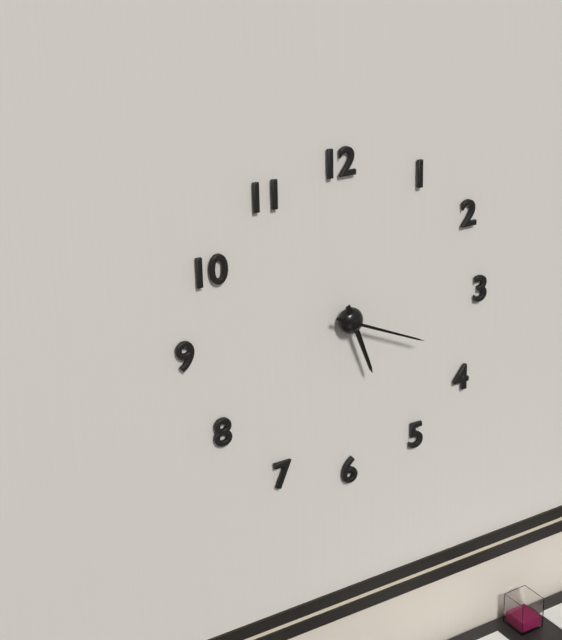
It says 5 h 19 min
